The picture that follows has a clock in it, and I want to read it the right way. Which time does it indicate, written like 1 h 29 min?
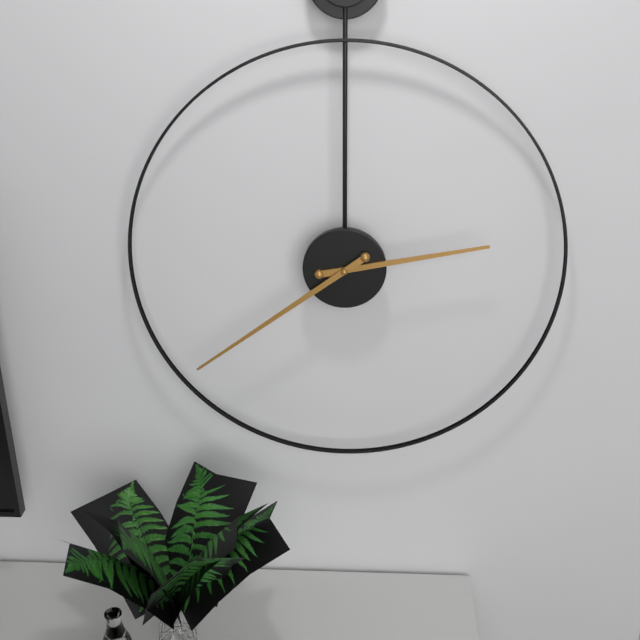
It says 2 h 39 min
